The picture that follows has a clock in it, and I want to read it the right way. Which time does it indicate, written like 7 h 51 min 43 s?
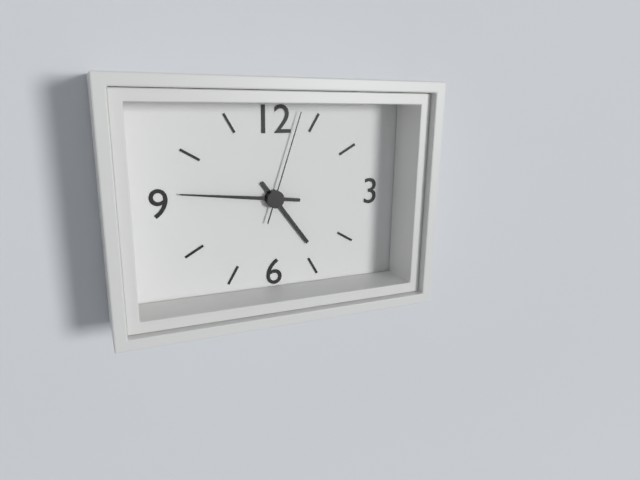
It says 4 h 46 min 03 s
